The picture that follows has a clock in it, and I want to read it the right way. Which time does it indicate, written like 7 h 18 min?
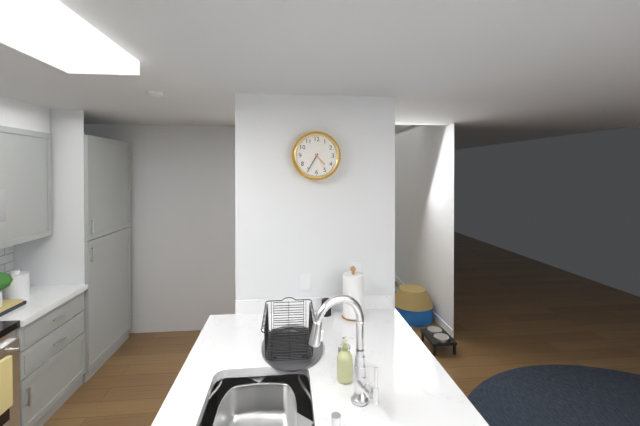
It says 4 h 35 min
